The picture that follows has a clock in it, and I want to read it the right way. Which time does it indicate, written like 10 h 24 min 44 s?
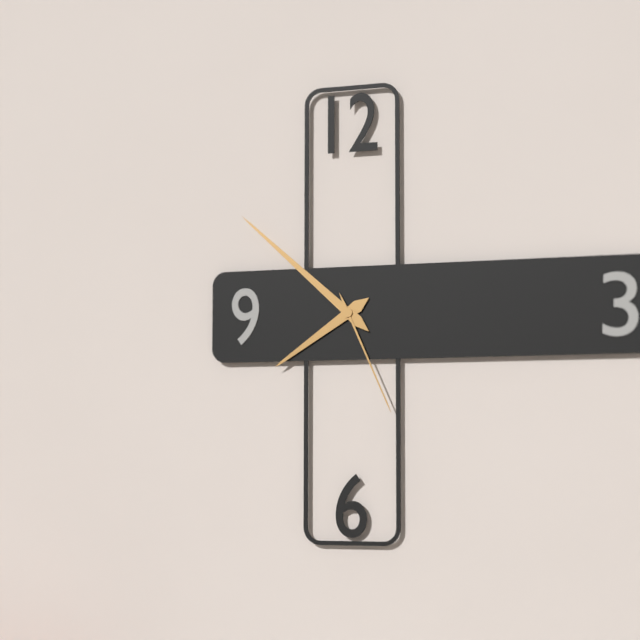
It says 7 h 52 min 26 s
